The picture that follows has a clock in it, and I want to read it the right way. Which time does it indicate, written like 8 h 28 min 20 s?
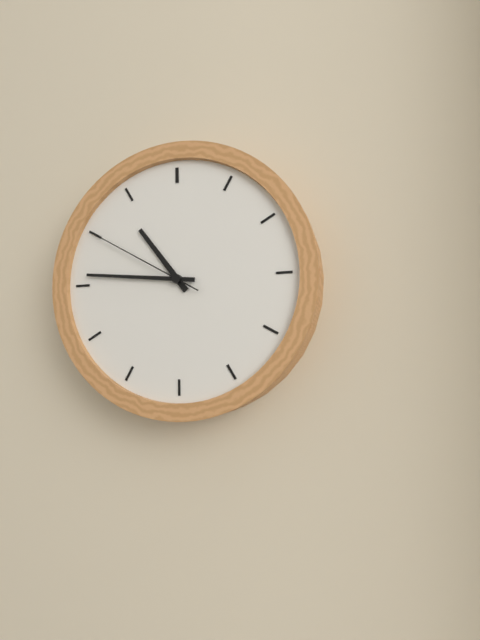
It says 10 h 46 min 50 s
